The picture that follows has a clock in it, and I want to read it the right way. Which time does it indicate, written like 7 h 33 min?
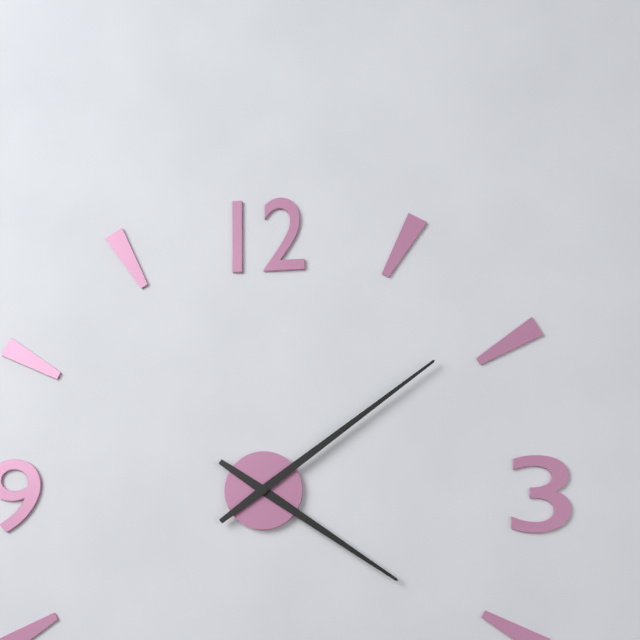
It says 4 h 09 min
